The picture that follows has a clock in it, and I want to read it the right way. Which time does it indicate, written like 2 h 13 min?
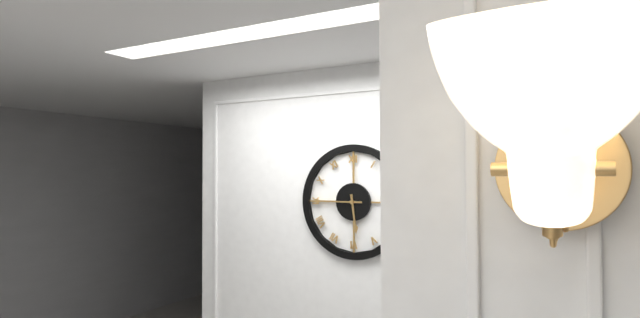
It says 5 h 45 min
